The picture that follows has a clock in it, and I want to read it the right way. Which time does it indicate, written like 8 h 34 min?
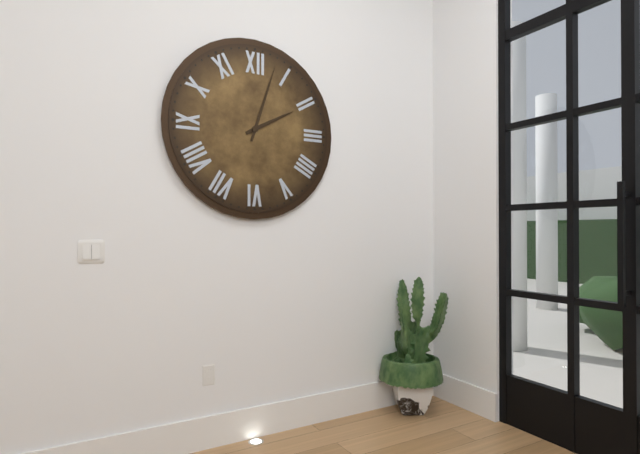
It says 2 h 03 min
